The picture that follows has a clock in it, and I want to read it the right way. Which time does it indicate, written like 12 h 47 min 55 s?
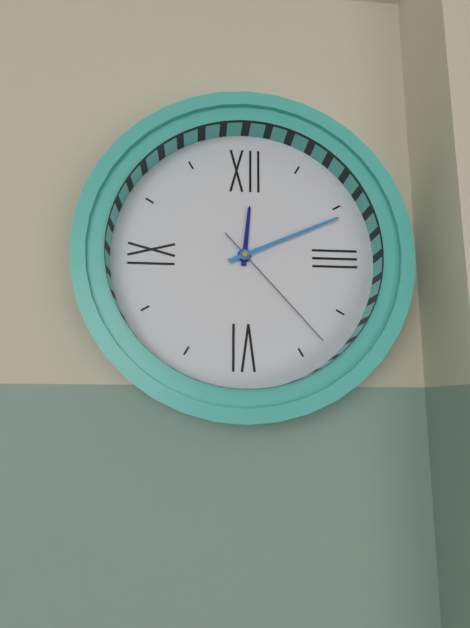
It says 12 h 11 min 23 s
